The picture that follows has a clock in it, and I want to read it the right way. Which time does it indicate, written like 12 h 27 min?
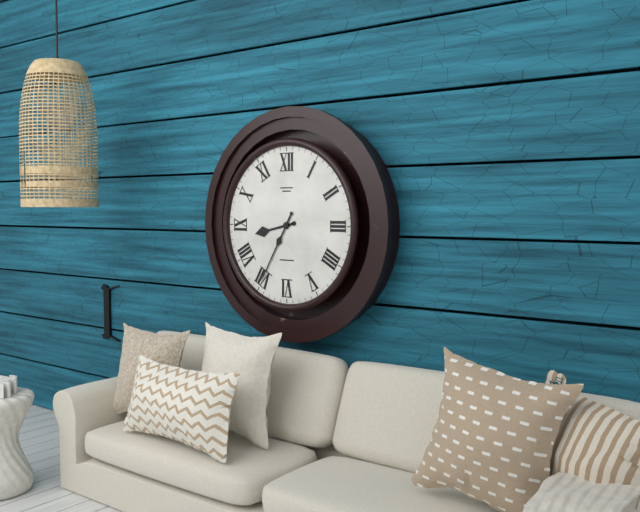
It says 8 h 35 min
